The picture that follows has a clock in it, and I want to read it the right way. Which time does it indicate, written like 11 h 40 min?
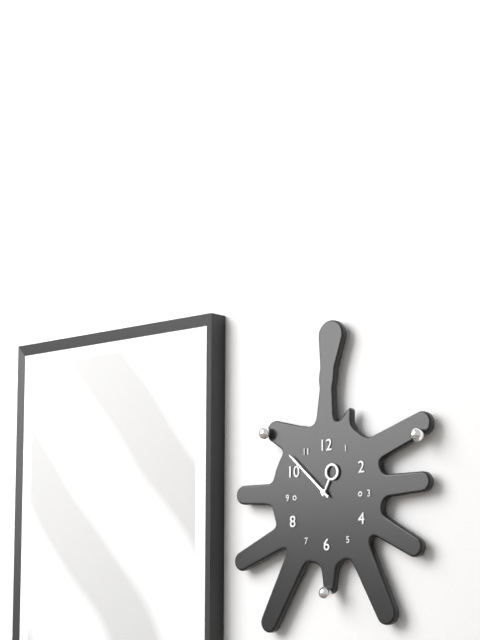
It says 12 h 52 min
